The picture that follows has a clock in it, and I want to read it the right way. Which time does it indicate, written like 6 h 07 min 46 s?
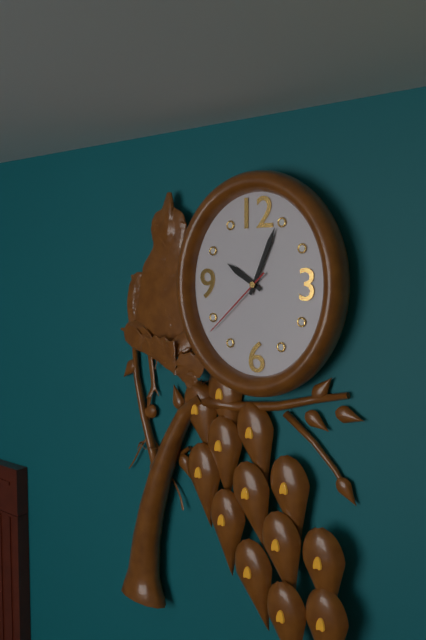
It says 10 h 04 min 38 s
